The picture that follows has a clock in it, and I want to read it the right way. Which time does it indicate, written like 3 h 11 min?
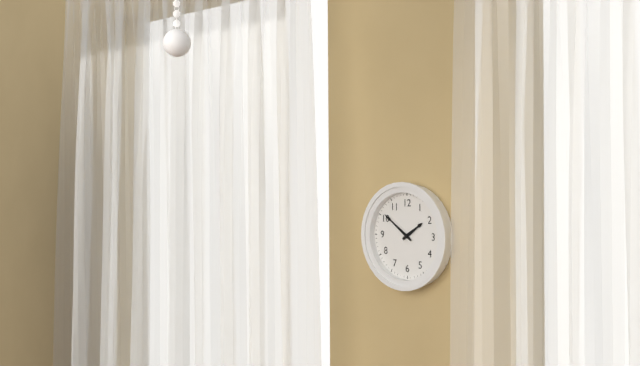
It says 1 h 51 min
